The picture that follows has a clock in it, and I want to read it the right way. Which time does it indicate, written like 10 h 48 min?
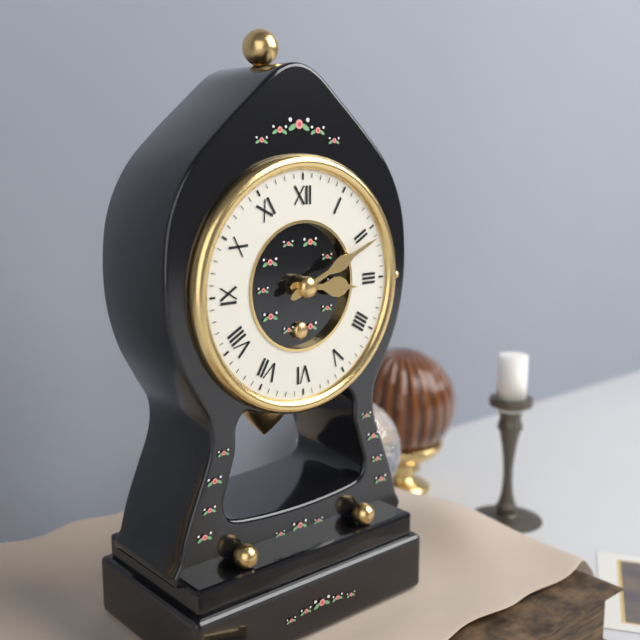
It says 3 h 11 min
